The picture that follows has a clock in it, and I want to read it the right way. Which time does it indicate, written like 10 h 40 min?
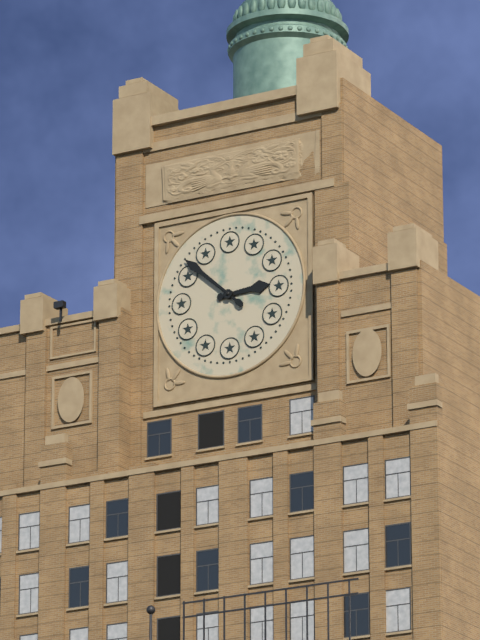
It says 2 h 52 min
